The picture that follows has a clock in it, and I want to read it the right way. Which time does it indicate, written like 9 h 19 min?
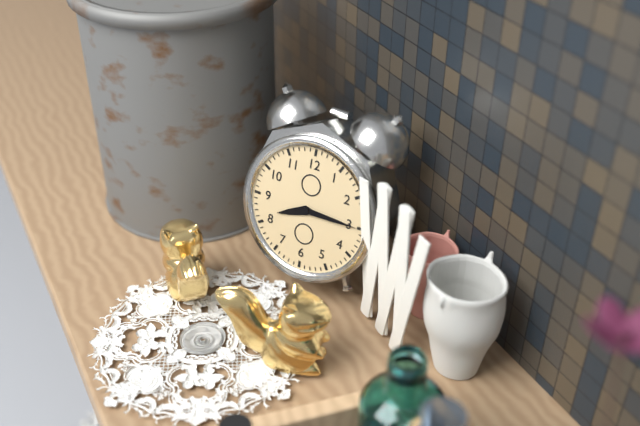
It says 8 h 15 min
